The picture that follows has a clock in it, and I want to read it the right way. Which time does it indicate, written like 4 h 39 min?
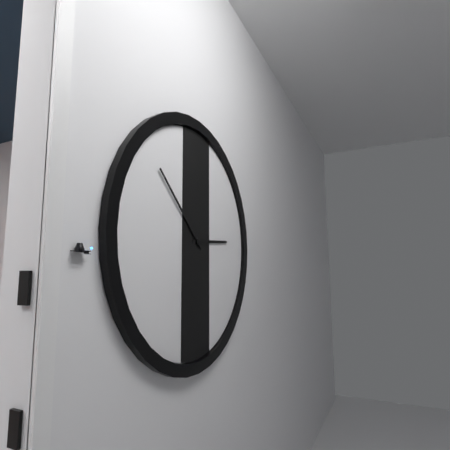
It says 2 h 52 min
